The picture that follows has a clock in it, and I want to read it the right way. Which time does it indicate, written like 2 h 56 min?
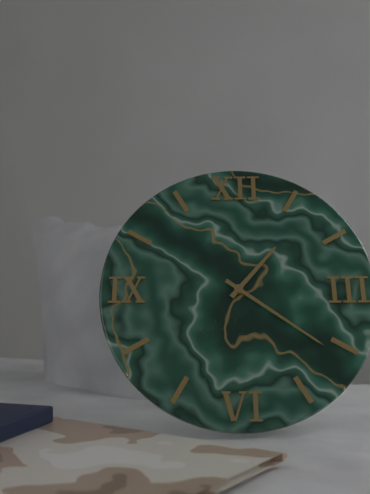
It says 1 h 21 min
